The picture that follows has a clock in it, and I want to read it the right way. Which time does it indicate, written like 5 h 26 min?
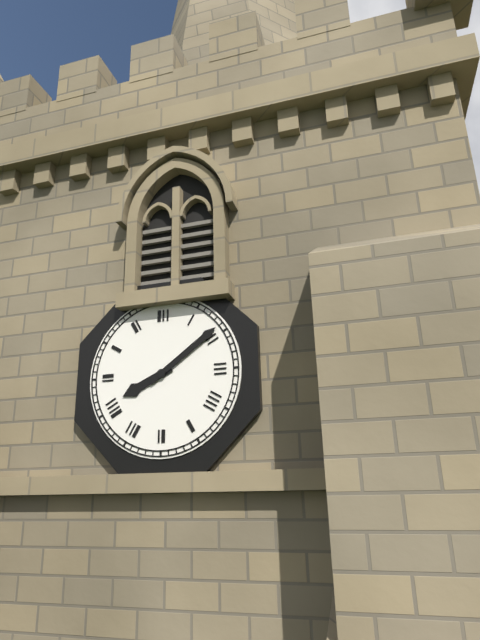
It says 8 h 09 min
